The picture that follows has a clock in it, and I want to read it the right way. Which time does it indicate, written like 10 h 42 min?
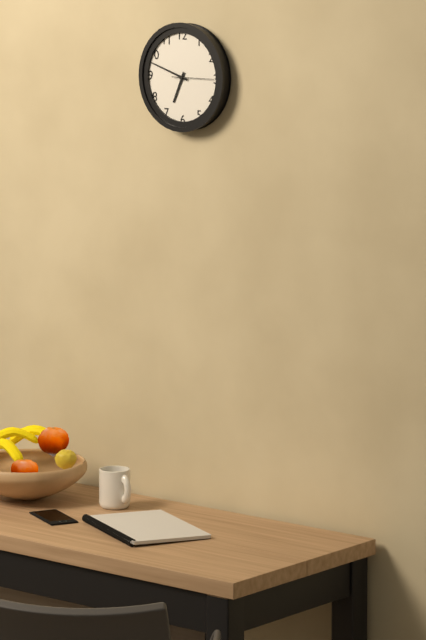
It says 6 h 48 min
